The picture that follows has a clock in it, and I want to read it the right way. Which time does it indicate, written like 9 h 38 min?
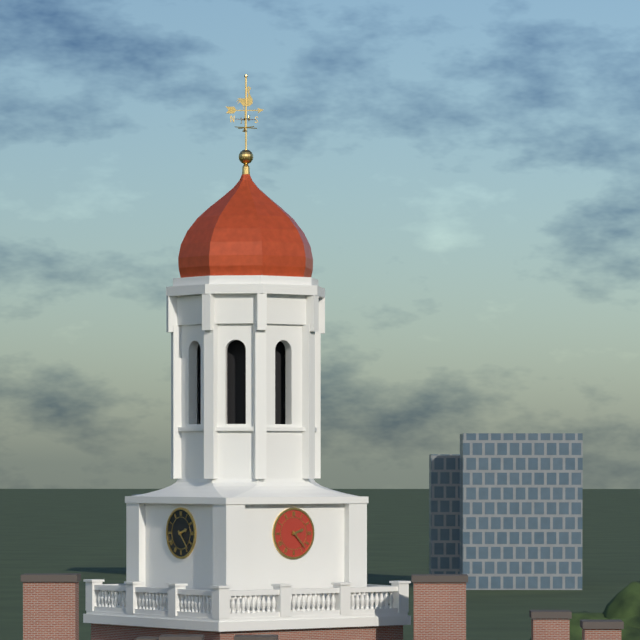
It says 2 h 23 min
